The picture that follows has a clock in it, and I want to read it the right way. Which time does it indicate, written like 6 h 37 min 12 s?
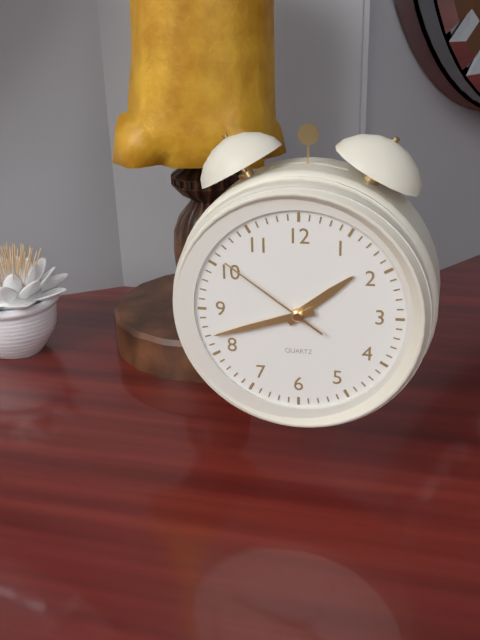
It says 1 h 42 min 51 s
